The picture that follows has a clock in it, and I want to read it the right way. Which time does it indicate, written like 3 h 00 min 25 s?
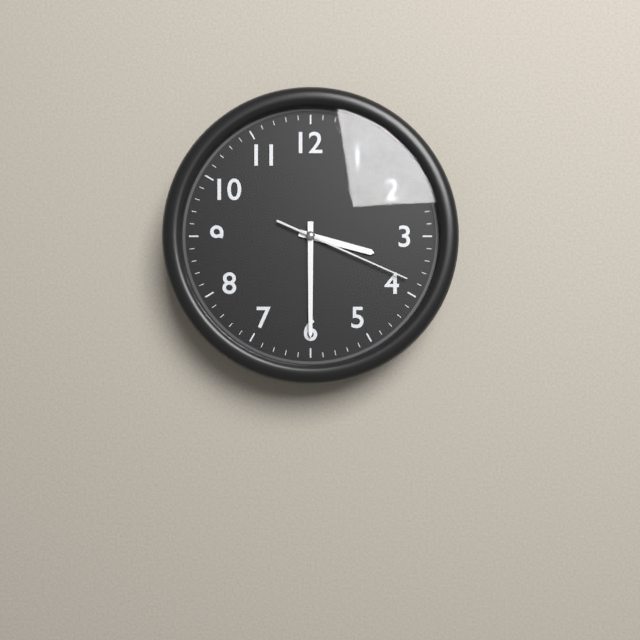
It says 3 h 30 min 19 s
